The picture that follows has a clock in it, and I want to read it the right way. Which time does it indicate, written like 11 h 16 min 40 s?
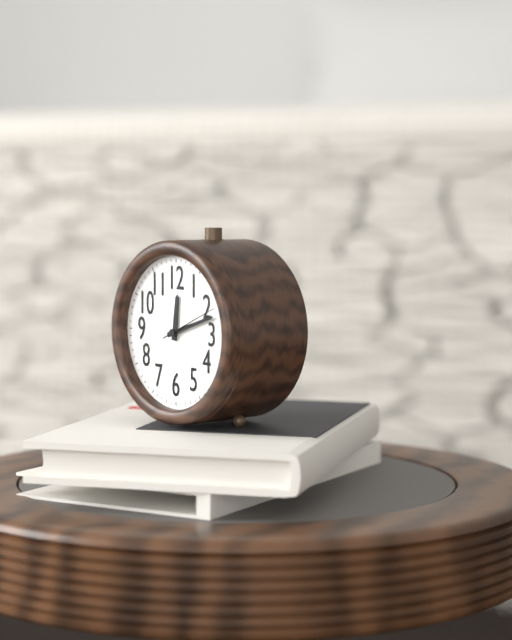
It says 12 h 12 min 11 s
